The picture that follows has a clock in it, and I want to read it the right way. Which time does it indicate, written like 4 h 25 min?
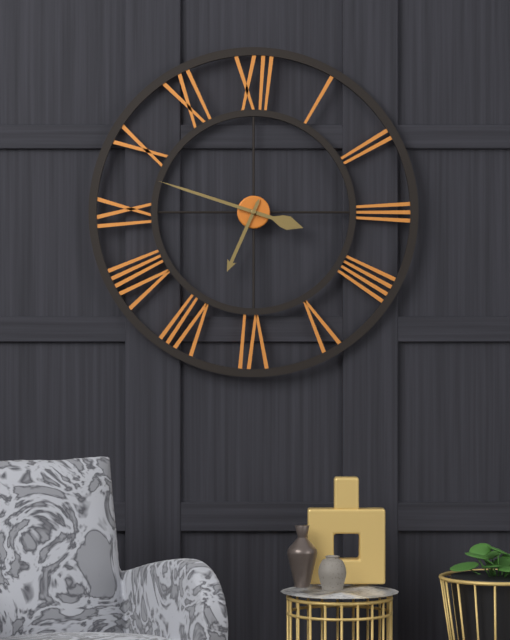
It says 6 h 48 min
